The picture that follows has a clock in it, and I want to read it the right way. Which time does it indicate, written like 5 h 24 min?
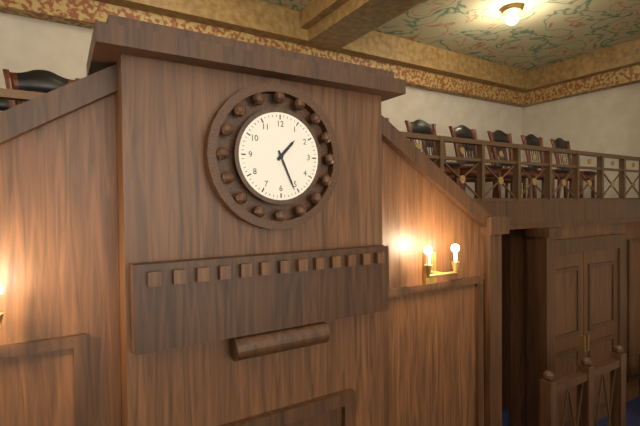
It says 1 h 26 min
